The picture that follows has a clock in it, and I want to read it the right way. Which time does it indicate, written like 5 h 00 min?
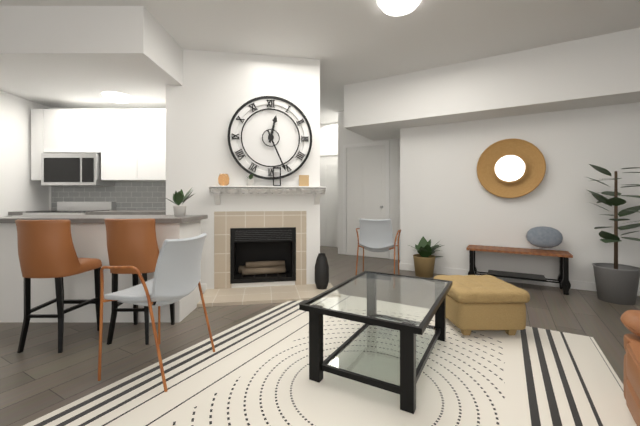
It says 12 h 26 min
